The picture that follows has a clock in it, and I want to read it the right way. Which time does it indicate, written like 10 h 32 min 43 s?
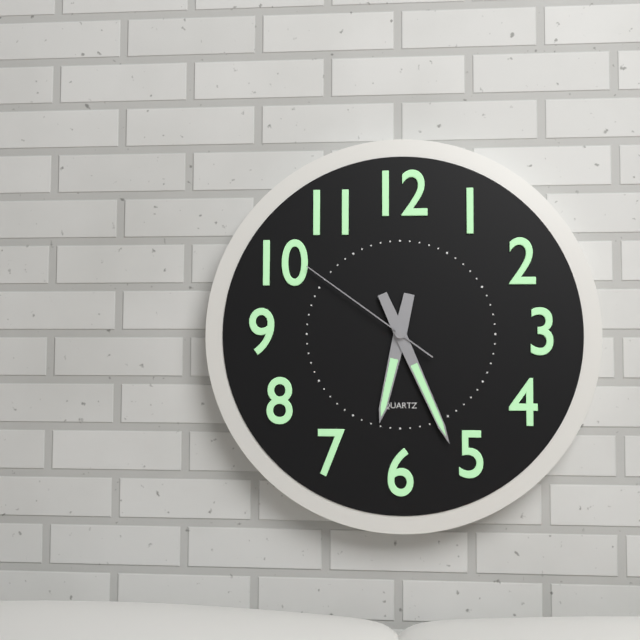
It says 6 h 26 min 51 s
